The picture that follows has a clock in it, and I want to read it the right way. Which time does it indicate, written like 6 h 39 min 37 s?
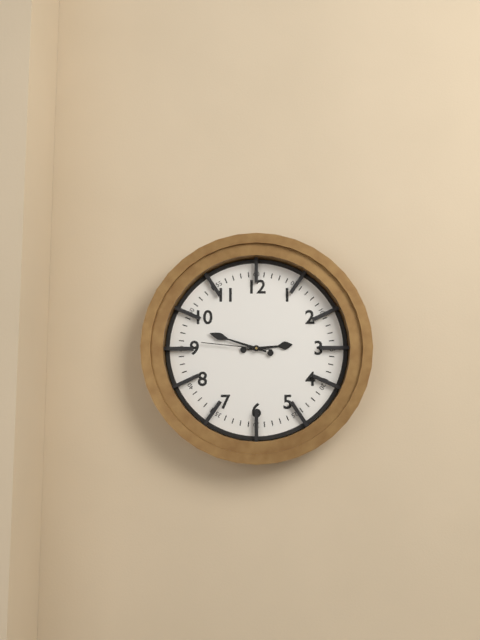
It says 2 h 48 min 46 s
